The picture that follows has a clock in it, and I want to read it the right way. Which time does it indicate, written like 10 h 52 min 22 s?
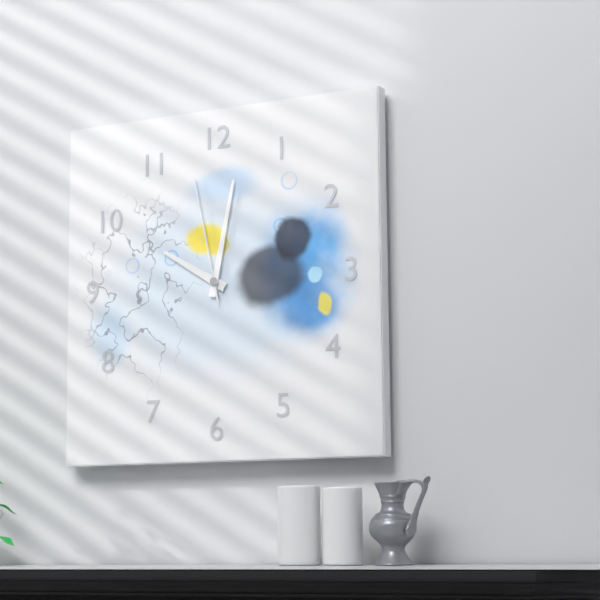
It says 10 h 02 min 58 s
